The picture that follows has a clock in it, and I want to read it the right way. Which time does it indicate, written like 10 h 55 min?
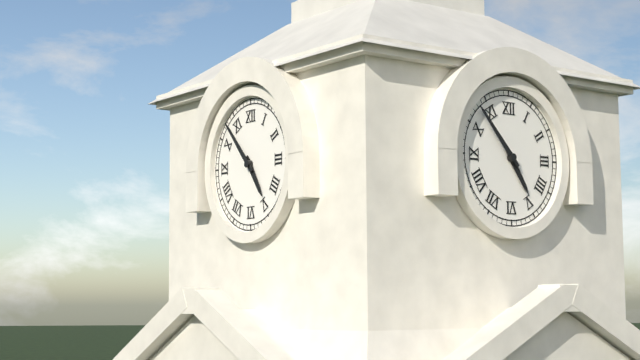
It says 4 h 53 min
